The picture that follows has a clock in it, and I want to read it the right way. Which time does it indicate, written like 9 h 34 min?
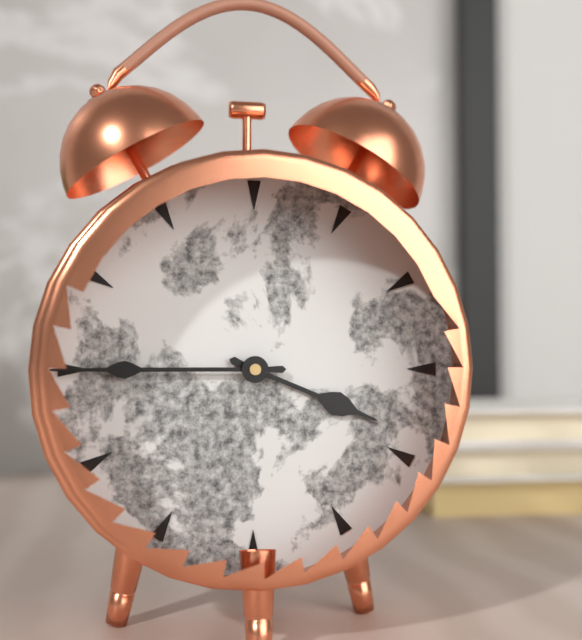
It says 3 h 45 min
